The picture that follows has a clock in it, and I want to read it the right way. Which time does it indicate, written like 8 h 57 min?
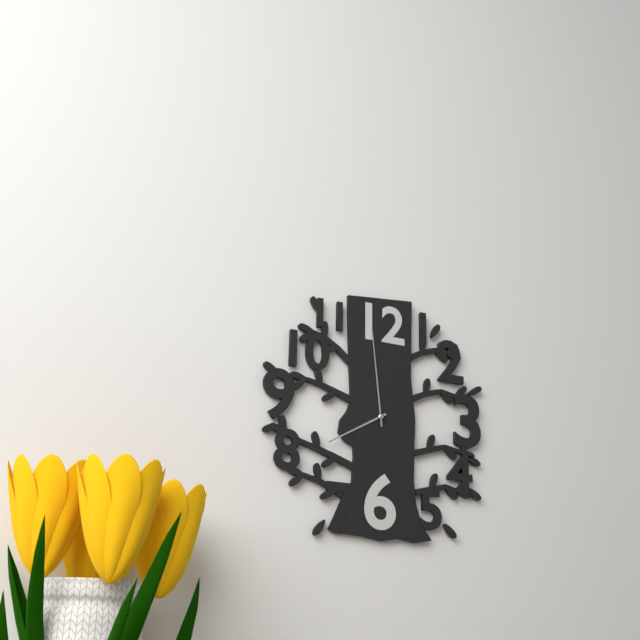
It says 7 h 59 min
